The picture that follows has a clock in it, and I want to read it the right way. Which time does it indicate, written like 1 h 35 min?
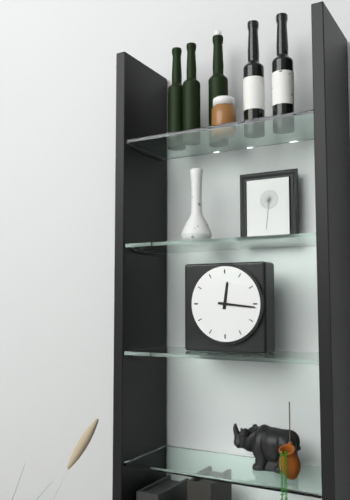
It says 12 h 16 min
